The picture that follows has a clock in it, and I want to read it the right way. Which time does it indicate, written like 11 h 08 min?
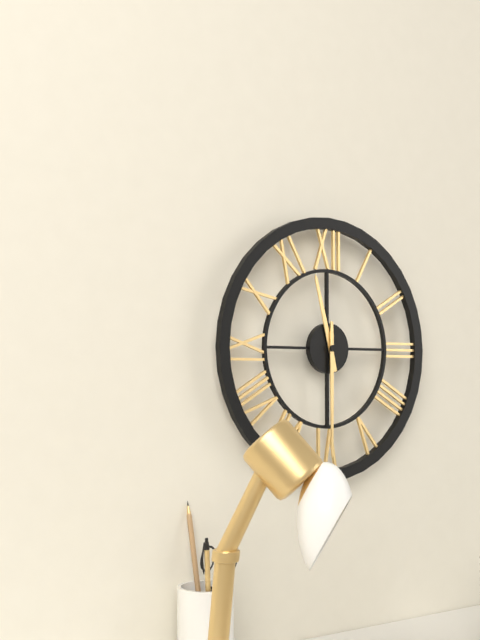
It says 11 h 30 min
